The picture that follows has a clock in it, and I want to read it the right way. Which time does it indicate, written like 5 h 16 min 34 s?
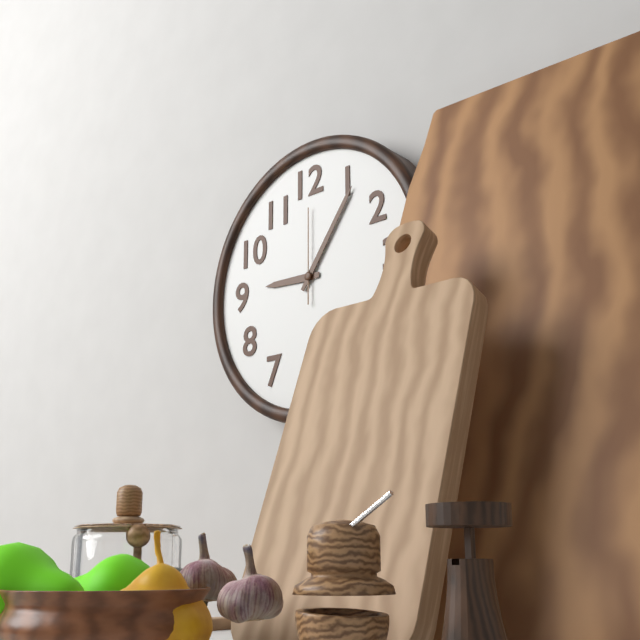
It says 9 h 06 min 00 s
